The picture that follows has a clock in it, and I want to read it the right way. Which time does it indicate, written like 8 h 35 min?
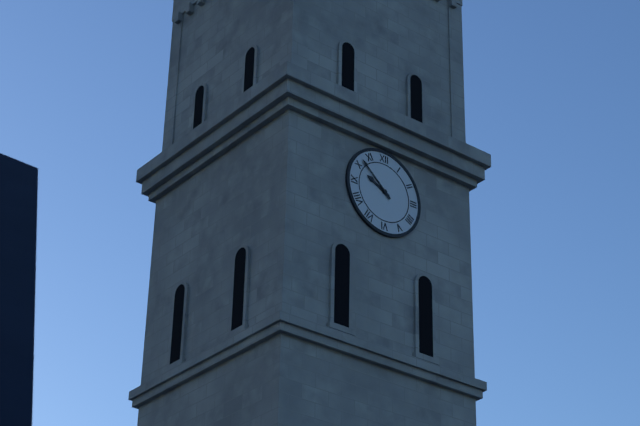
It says 9 h 52 min
